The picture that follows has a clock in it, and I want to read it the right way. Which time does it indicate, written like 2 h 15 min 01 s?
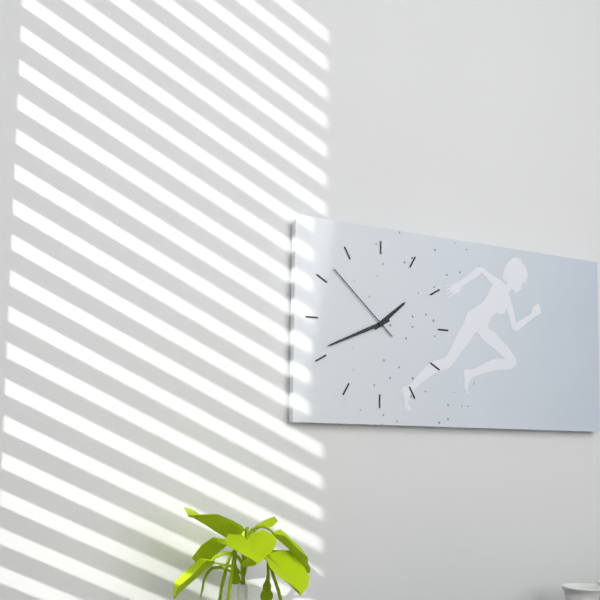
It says 1 h 41 min 52 s
